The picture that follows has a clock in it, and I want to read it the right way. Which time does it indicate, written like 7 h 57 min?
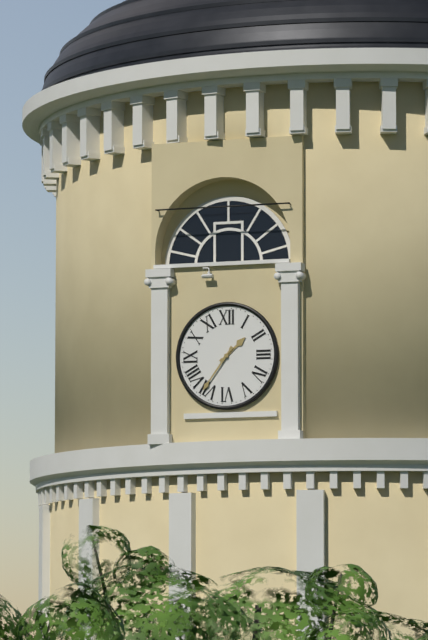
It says 1 h 36 min
